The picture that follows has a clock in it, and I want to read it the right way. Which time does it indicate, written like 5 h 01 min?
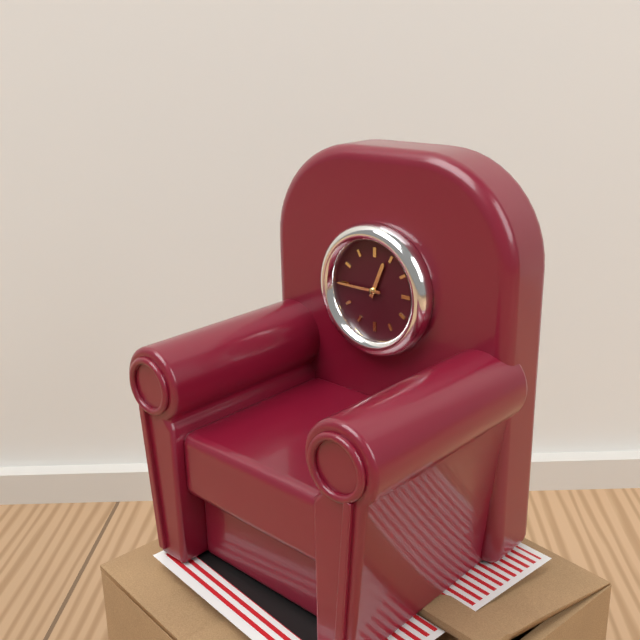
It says 12 h 45 min
